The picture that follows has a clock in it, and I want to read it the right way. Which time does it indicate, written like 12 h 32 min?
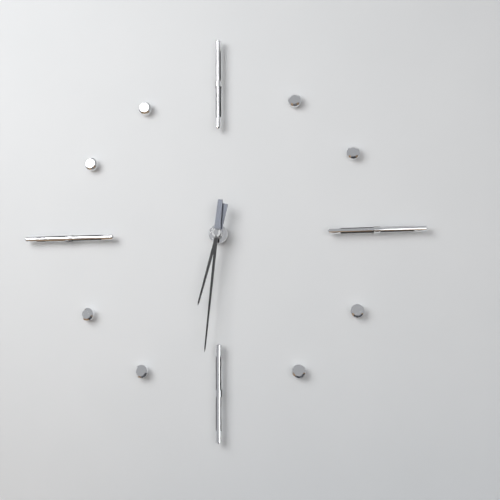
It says 6 h 31 min
